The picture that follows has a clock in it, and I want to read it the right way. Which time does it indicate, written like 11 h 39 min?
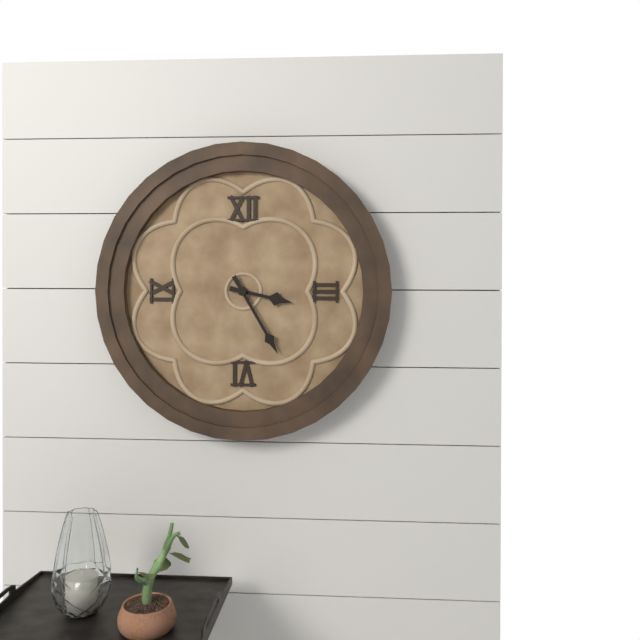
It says 3 h 25 min
